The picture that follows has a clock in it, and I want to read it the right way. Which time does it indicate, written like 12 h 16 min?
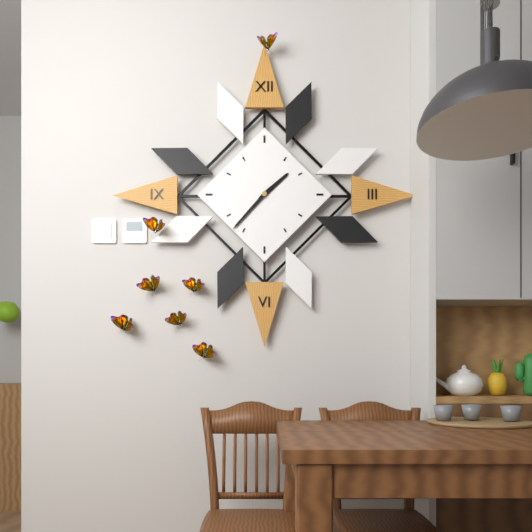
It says 1 h 37 min
